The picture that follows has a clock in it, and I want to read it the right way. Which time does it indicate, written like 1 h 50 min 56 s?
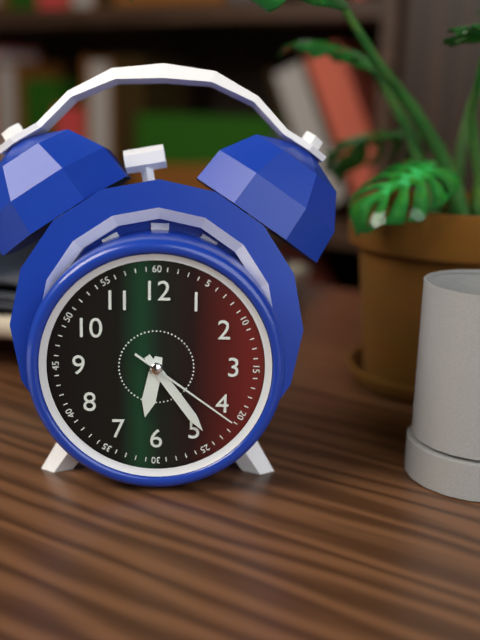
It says 6 h 24 min 21 s
